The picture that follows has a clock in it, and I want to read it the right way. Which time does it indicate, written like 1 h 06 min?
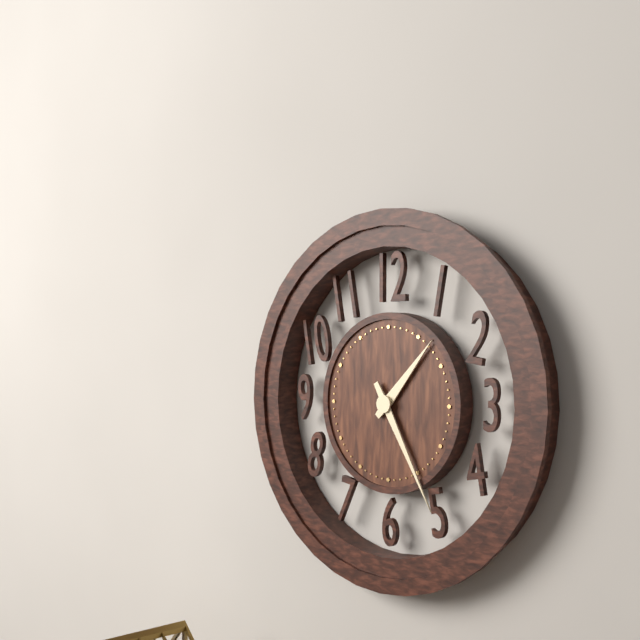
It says 1 h 25 min
